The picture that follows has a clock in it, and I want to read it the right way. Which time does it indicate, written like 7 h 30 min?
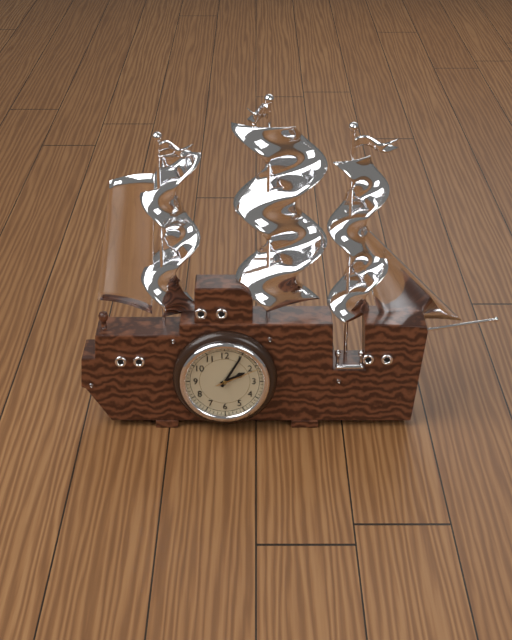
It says 2 h 05 min
